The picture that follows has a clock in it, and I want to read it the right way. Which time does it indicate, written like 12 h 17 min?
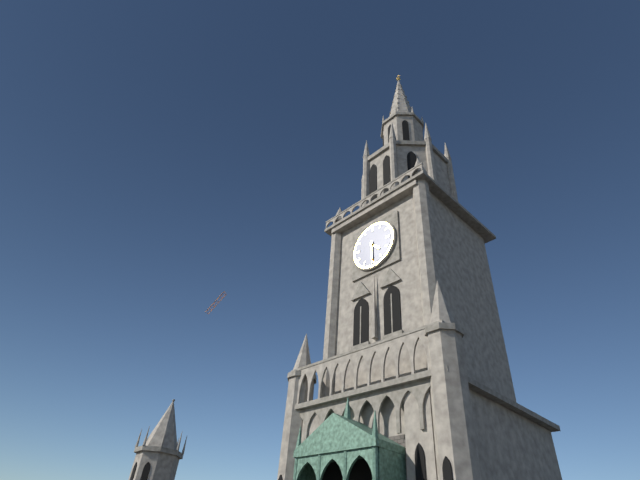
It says 4 h 30 min
